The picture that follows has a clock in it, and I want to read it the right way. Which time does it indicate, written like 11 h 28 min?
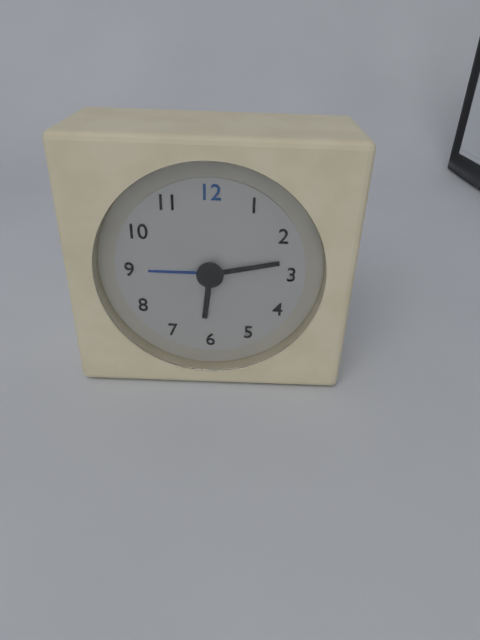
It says 6 h 13 min
